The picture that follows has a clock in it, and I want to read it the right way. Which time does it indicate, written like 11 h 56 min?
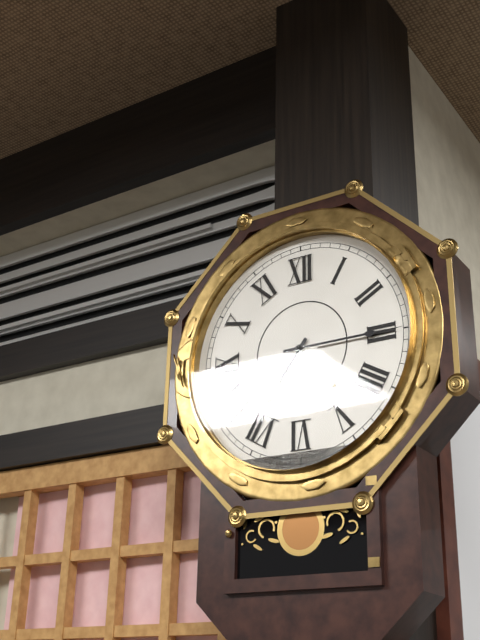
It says 7 h 15 min
